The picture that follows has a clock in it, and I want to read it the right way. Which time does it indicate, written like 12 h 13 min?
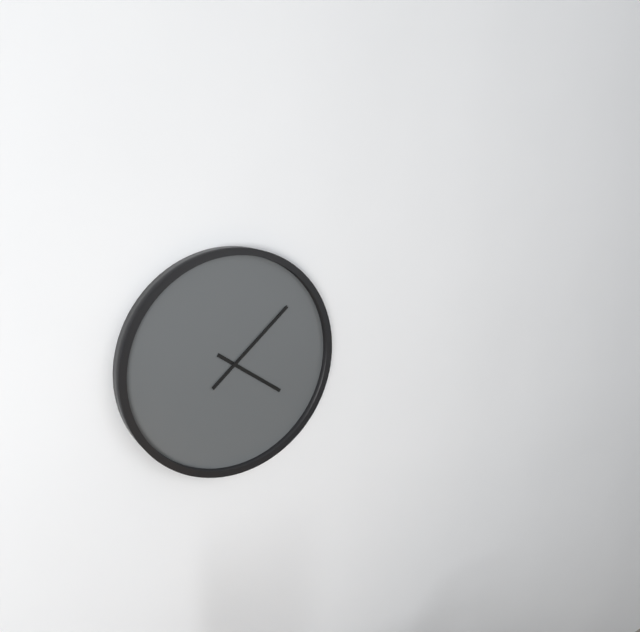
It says 4 h 08 min
